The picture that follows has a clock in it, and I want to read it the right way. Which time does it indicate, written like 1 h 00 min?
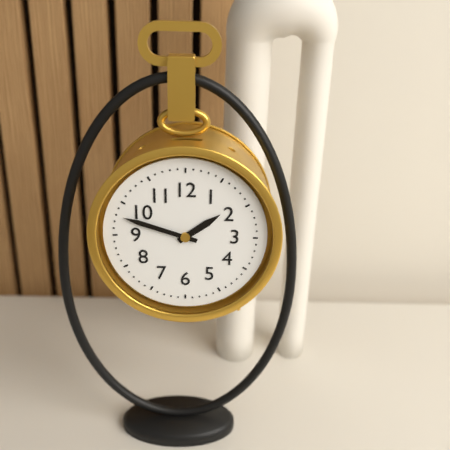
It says 1 h 48 min
